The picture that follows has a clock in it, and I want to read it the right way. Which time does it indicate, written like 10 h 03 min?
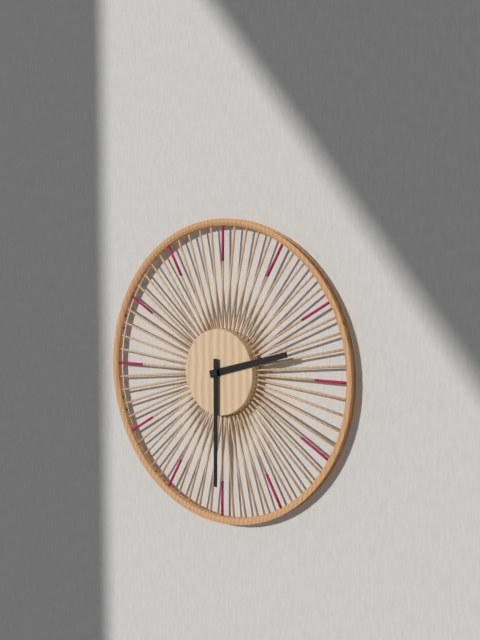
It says 2 h 30 min
